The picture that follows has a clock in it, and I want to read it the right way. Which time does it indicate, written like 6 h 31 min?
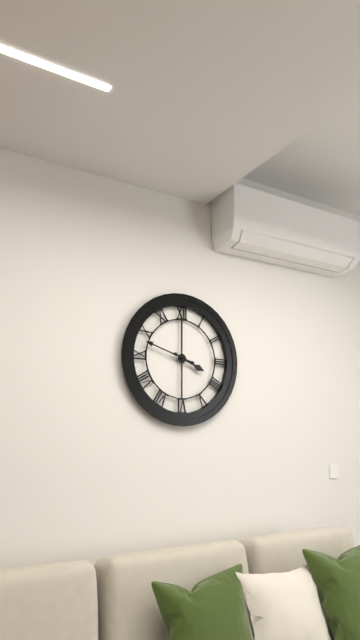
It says 3 h 48 min
